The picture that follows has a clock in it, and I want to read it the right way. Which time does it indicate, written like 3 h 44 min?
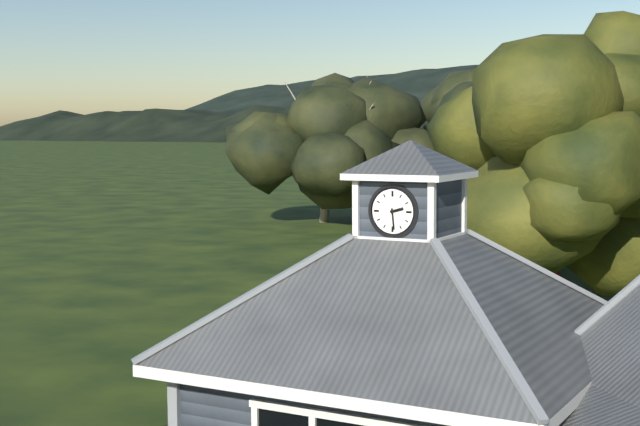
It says 2 h 29 min
